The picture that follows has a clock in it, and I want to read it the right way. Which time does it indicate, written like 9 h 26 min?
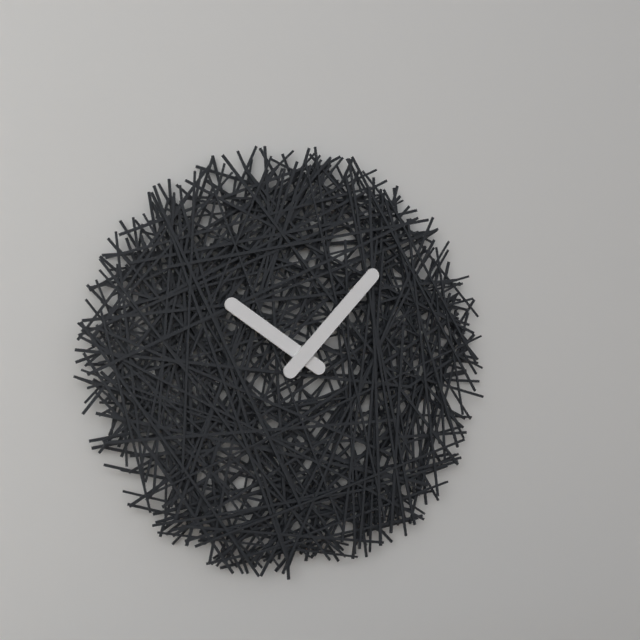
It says 10 h 07 min
